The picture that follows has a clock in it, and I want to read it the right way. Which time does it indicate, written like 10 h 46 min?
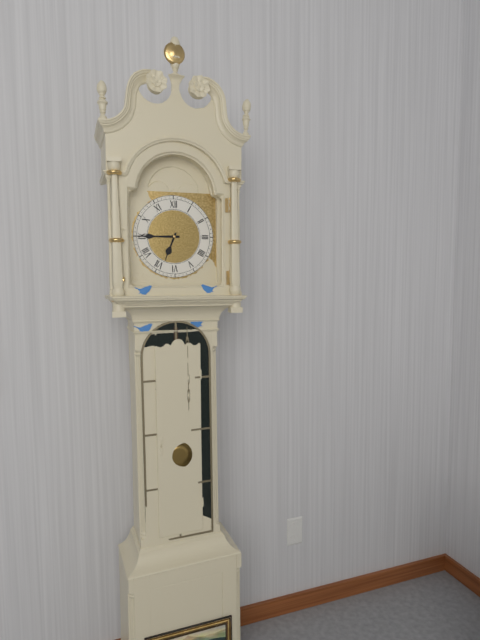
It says 6 h 45 min
